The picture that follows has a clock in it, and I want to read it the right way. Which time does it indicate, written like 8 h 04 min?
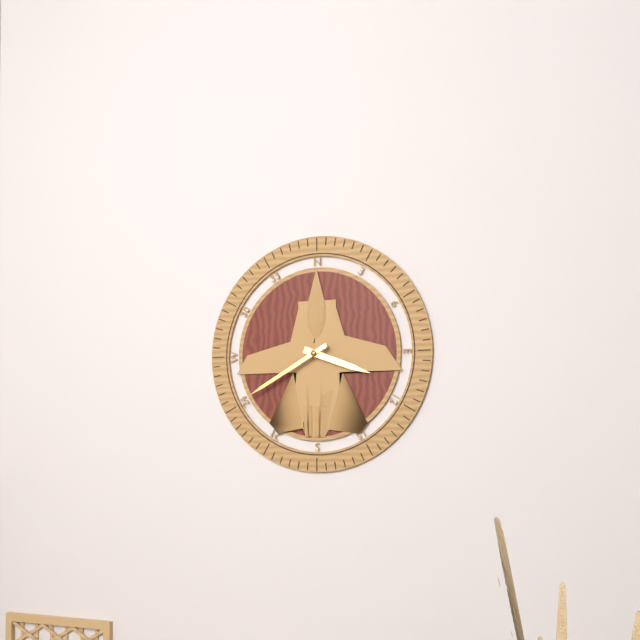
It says 3 h 40 min
